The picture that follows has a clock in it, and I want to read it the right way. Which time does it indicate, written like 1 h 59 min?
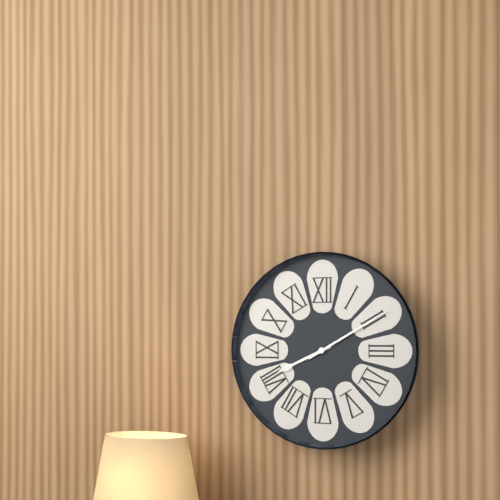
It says 8 h 10 min
